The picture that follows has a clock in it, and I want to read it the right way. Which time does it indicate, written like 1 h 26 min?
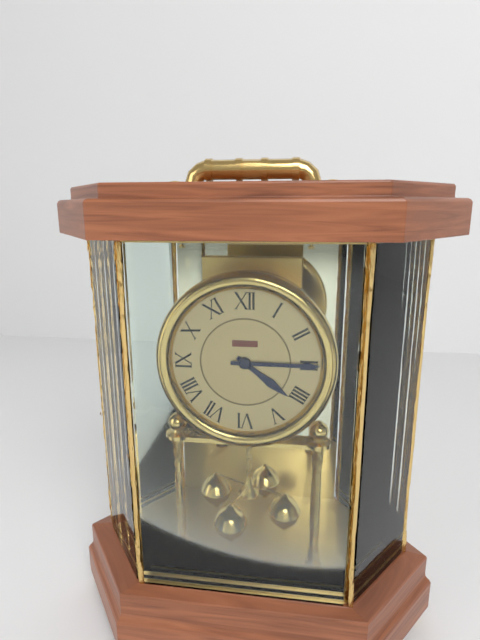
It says 4 h 15 min
